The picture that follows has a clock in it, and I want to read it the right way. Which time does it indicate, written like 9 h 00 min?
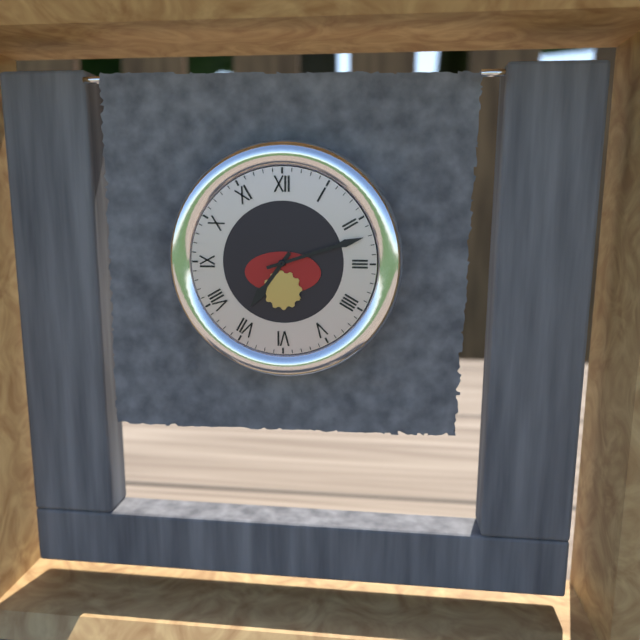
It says 7 h 12 min
